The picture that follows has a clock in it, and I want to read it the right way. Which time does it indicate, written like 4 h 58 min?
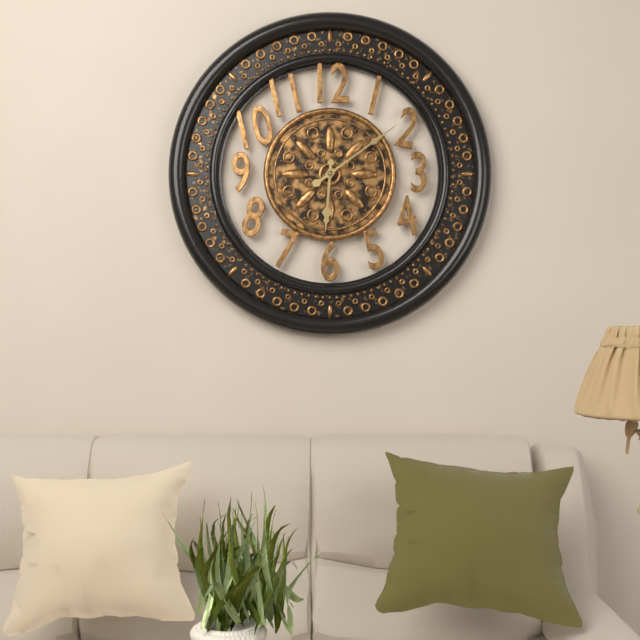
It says 6 h 09 min
